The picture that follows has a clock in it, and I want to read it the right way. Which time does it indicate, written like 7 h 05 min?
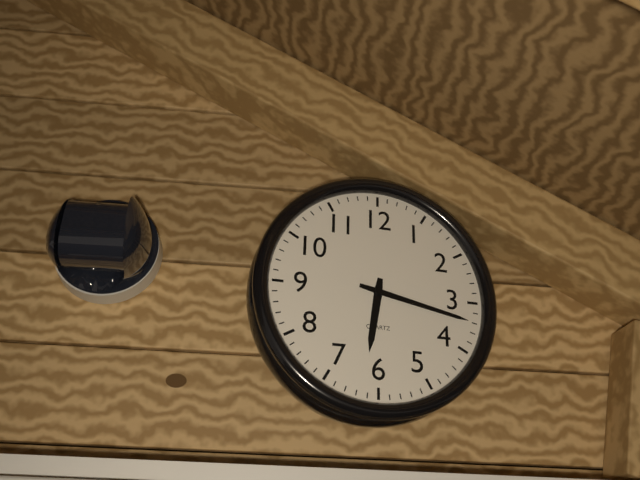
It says 6 h 17 min
